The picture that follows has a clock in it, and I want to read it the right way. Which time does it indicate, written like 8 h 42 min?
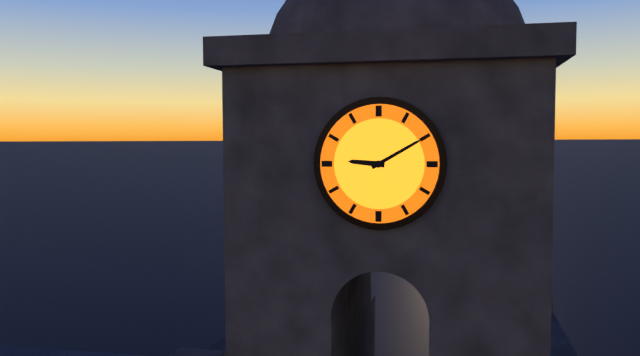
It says 9 h 10 min
